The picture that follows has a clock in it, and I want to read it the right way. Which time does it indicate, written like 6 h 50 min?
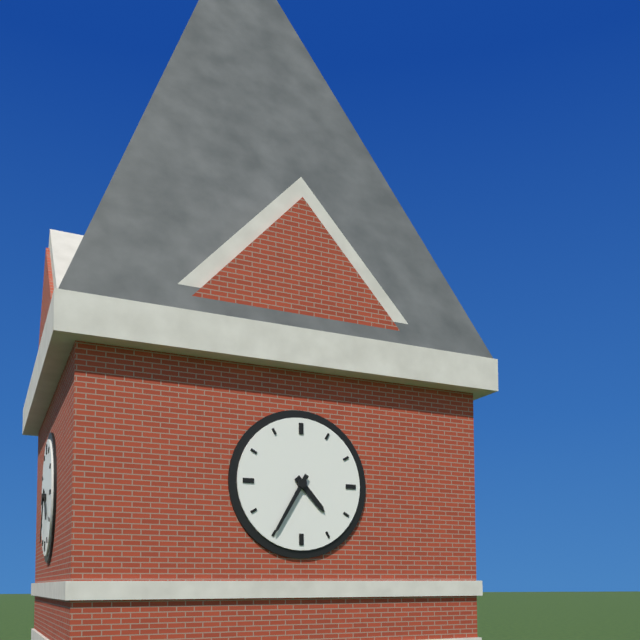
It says 4 h 35 min
